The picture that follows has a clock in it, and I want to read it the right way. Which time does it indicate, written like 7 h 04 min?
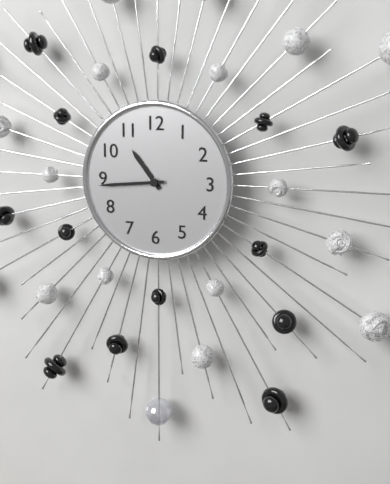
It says 10 h 44 min
